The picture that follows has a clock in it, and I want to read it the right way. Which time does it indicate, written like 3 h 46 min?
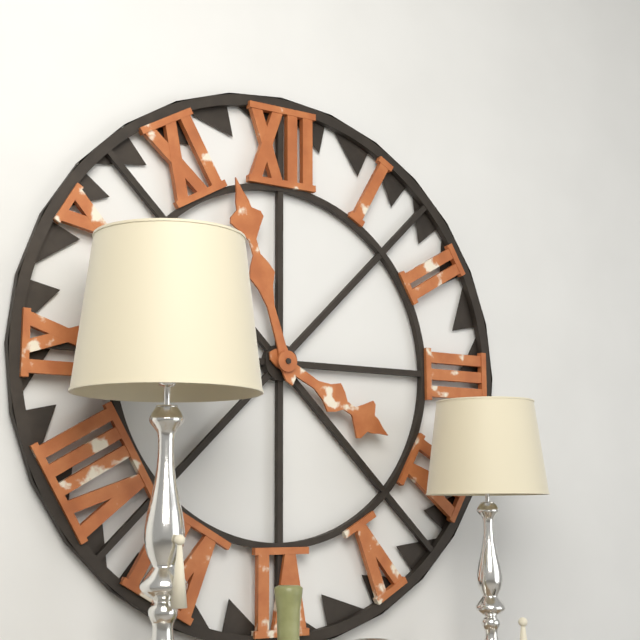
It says 3 h 57 min
